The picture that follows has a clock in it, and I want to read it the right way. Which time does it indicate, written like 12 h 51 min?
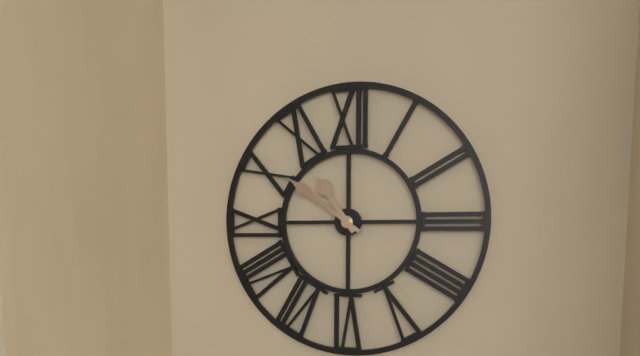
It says 10 h 51 min
